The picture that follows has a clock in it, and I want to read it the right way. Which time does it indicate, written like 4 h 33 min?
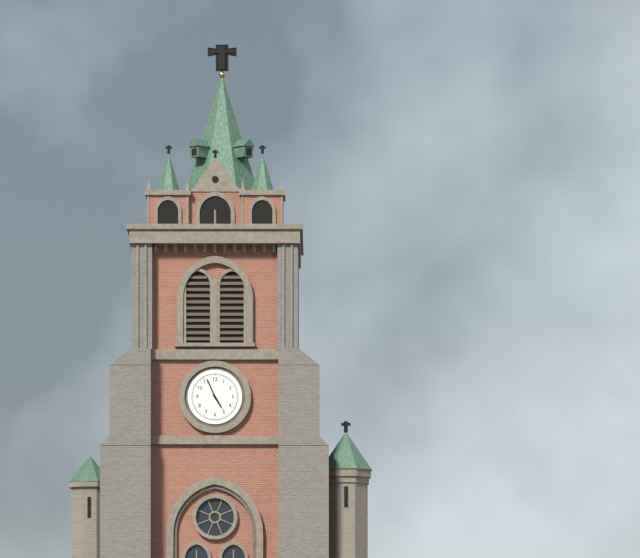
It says 4 h 56 min
